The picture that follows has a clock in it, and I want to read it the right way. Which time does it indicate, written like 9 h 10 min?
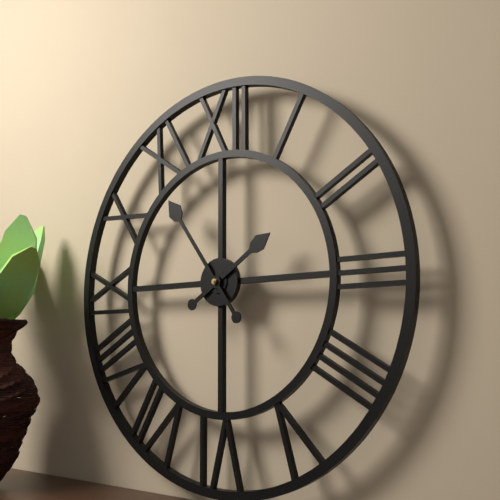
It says 1 h 54 min
